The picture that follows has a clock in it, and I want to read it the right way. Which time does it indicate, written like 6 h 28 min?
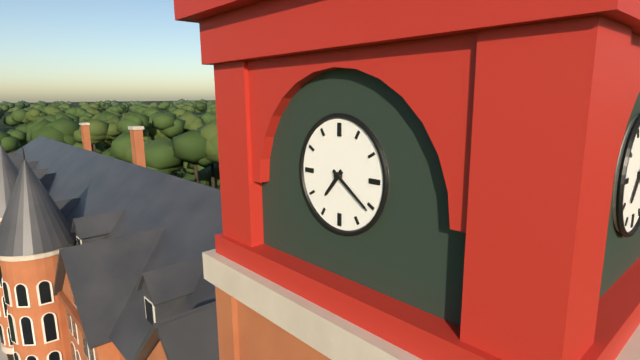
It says 7 h 21 min
